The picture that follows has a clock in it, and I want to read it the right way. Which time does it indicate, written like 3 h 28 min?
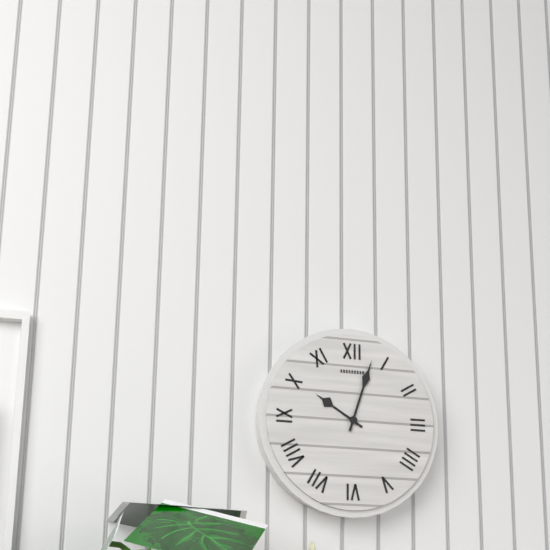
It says 10 h 03 min
